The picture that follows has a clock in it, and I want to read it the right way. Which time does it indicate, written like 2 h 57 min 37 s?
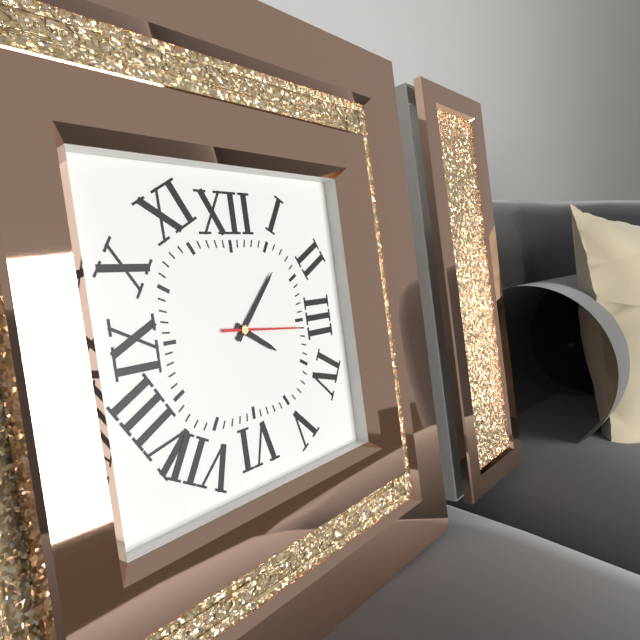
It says 4 h 07 min 16 s
